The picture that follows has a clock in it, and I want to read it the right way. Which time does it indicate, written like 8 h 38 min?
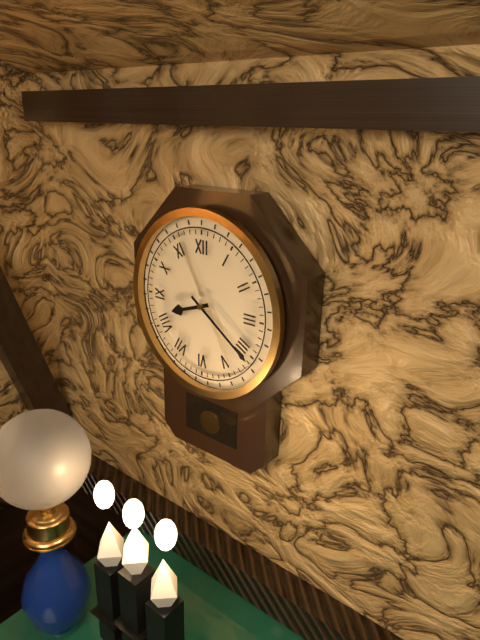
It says 8 h 21 min
